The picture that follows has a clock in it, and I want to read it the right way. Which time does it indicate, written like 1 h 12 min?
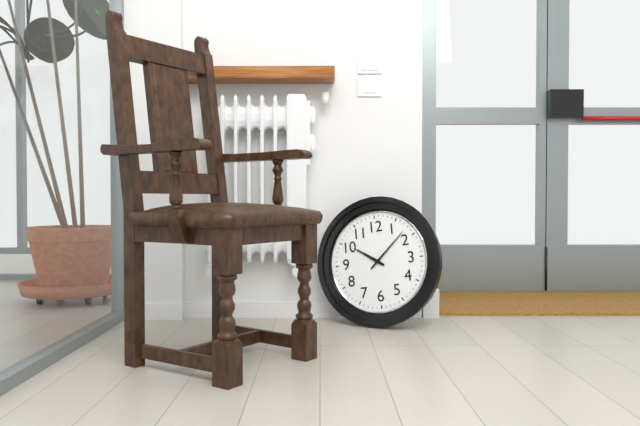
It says 10 h 08 min
